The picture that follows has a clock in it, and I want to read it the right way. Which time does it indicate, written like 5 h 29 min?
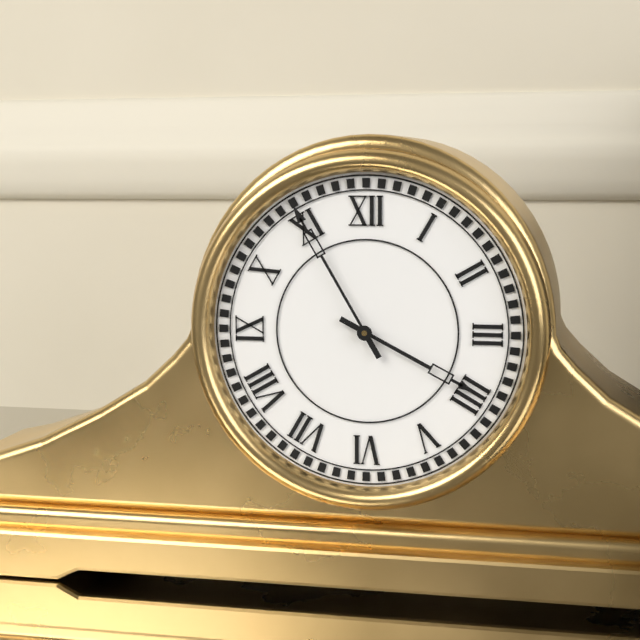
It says 3 h 55 min
